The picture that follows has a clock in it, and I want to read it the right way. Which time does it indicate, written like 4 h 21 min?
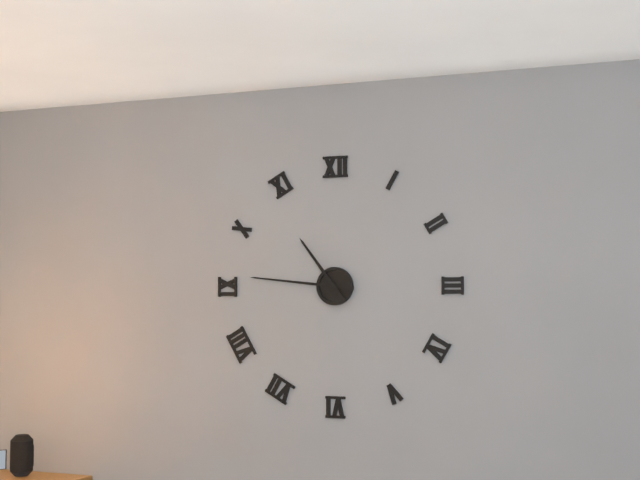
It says 10 h 46 min
